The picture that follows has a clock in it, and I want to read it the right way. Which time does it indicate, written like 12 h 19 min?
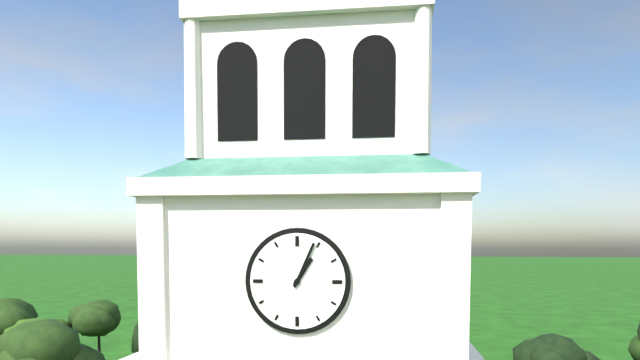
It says 1 h 04 min
